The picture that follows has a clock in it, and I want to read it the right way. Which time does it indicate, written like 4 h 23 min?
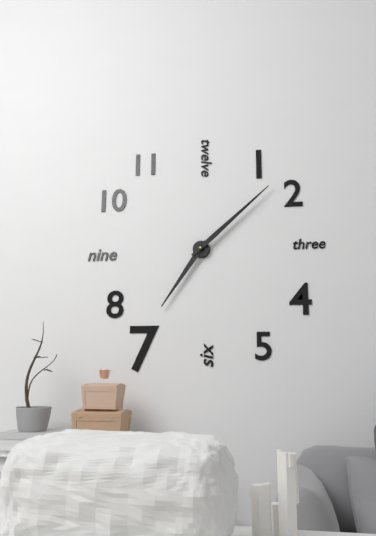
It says 7 h 08 min
